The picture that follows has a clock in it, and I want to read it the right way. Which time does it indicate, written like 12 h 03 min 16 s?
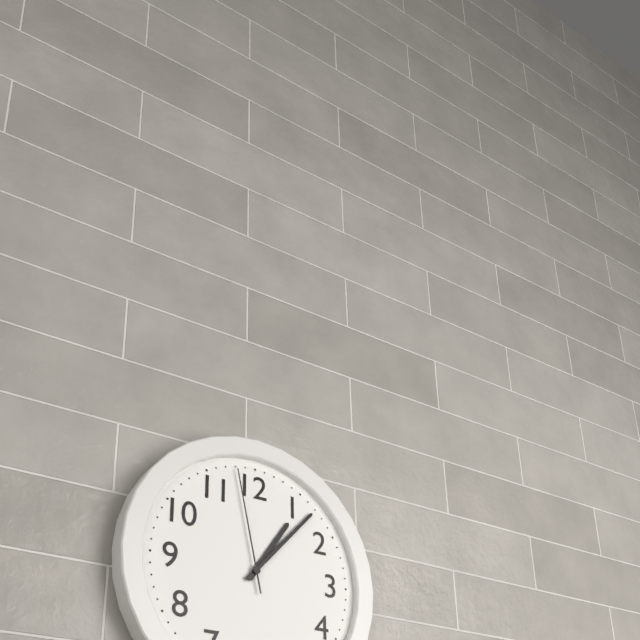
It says 1 h 07 min 58 s
